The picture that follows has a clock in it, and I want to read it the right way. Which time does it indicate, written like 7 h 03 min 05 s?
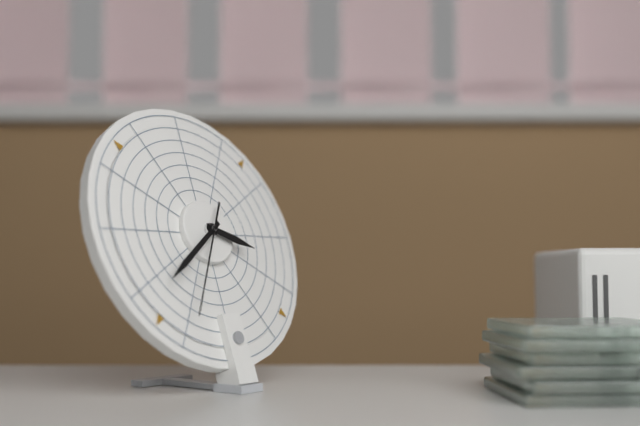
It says 3 h 39 min 35 s
